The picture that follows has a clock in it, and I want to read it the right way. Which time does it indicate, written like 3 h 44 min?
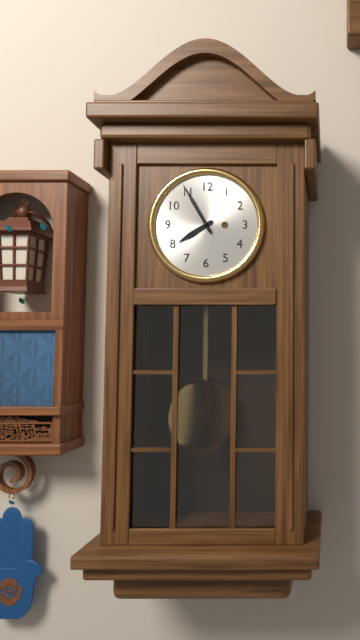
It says 7 h 55 min
